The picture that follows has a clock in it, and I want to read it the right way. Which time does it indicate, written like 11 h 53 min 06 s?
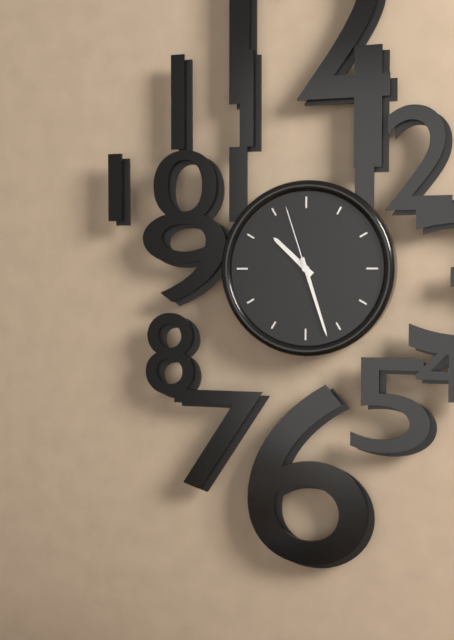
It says 10 h 27 min 57 s
